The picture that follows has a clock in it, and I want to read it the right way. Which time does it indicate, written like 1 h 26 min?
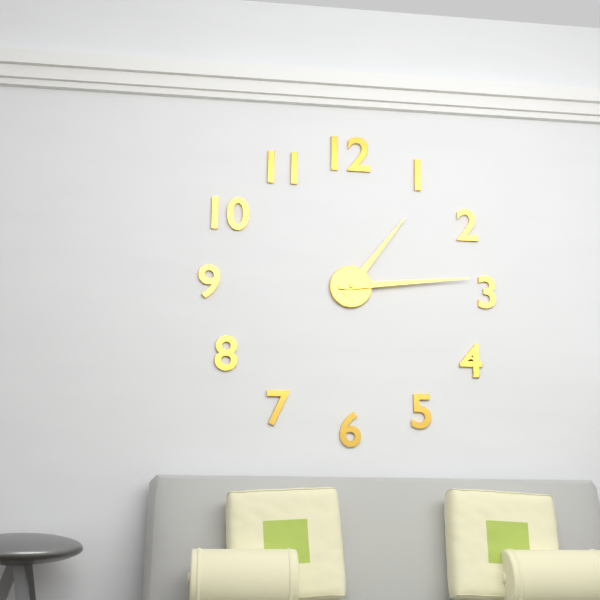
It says 1 h 14 min
